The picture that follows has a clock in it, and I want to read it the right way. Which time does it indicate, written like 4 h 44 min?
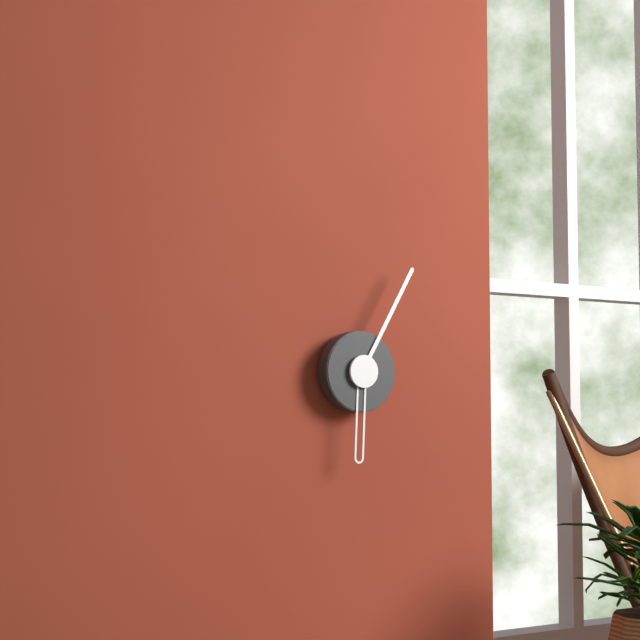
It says 6 h 05 min
